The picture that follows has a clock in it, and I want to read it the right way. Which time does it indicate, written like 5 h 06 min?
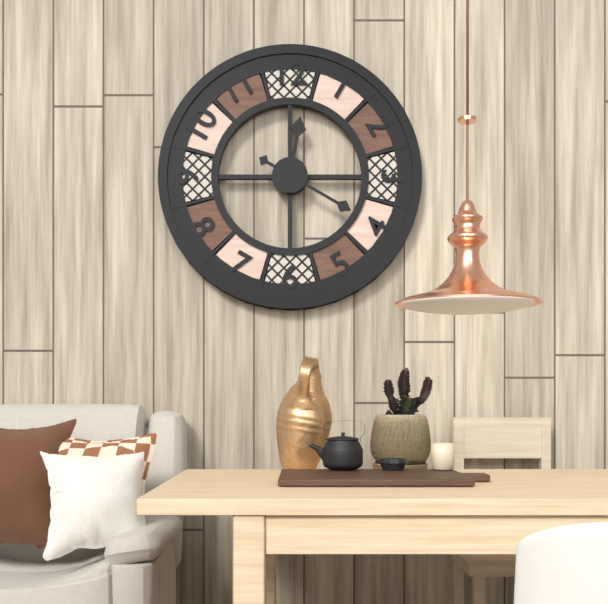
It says 12 h 20 min
